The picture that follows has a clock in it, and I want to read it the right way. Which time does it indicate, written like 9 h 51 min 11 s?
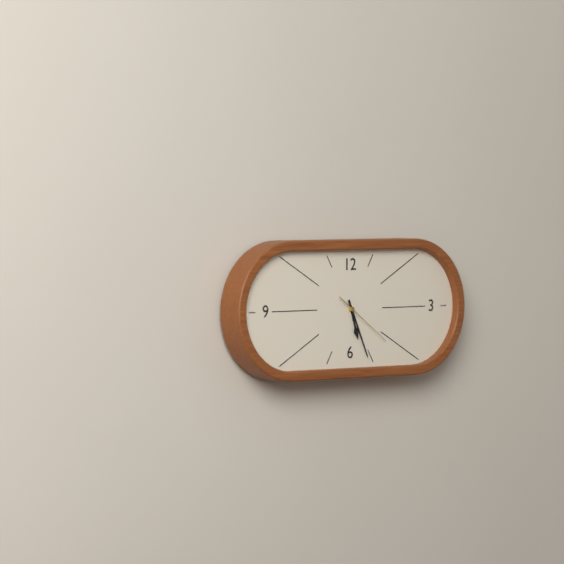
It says 5 h 26 min 21 s
